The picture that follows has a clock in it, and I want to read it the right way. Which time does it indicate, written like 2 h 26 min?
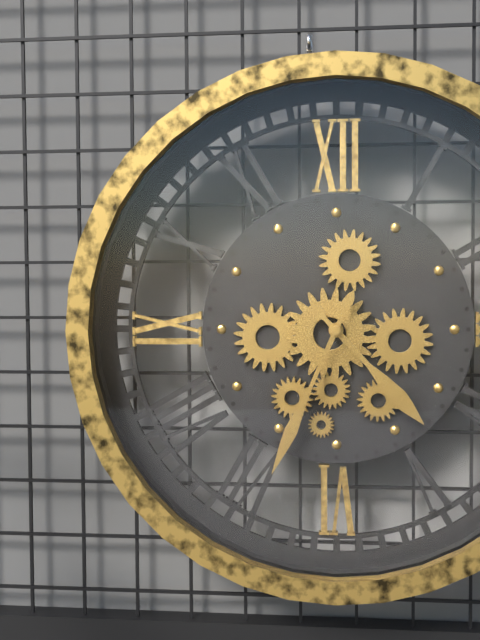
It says 4 h 34 min
